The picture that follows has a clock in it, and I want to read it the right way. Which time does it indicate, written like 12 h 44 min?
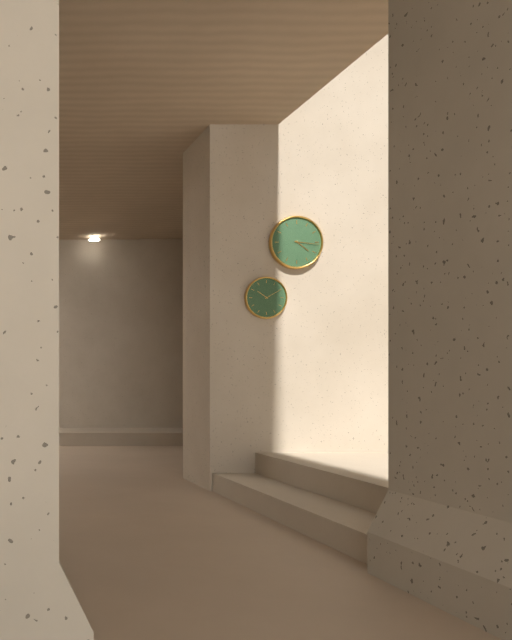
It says 4 h 16 min
